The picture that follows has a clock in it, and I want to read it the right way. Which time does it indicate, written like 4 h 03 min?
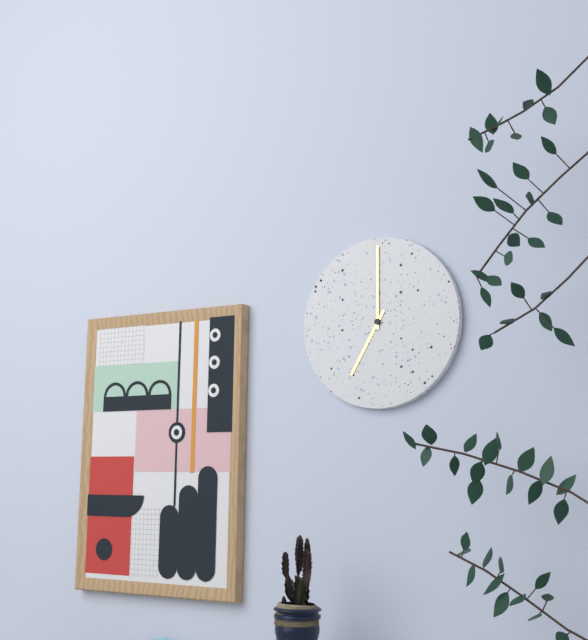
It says 7 h 00 min
